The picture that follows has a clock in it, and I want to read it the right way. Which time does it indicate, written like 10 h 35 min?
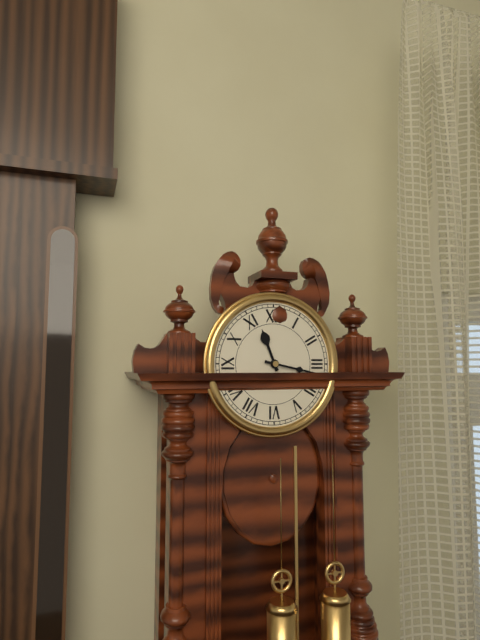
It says 11 h 17 min
